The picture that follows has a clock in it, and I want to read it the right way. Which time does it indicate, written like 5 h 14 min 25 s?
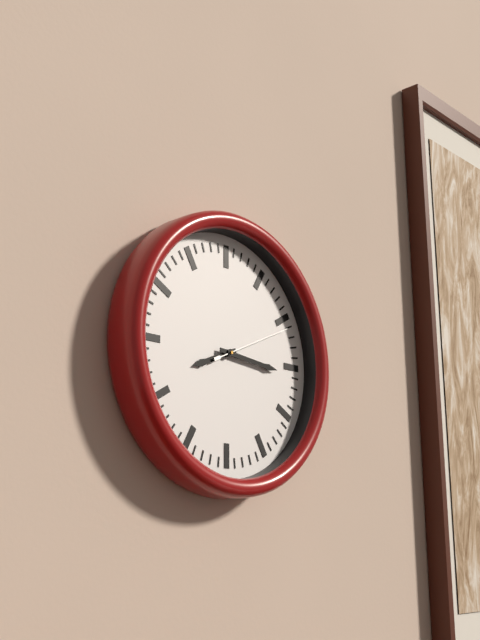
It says 8 h 16 min 11 s
